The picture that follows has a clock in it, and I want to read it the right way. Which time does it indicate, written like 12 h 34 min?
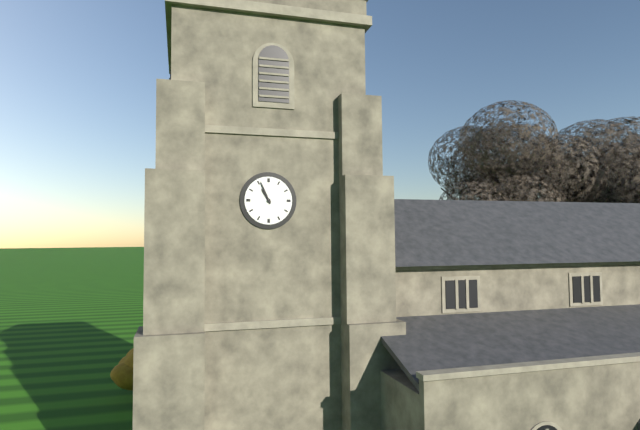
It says 10 h 56 min
